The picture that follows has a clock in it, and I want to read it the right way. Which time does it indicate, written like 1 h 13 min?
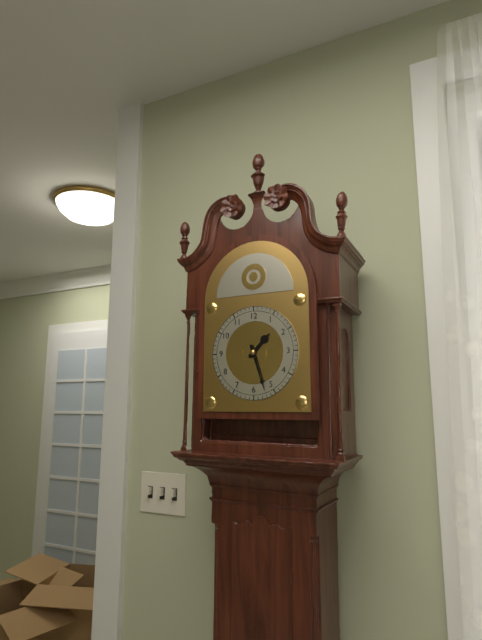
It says 1 h 27 min
